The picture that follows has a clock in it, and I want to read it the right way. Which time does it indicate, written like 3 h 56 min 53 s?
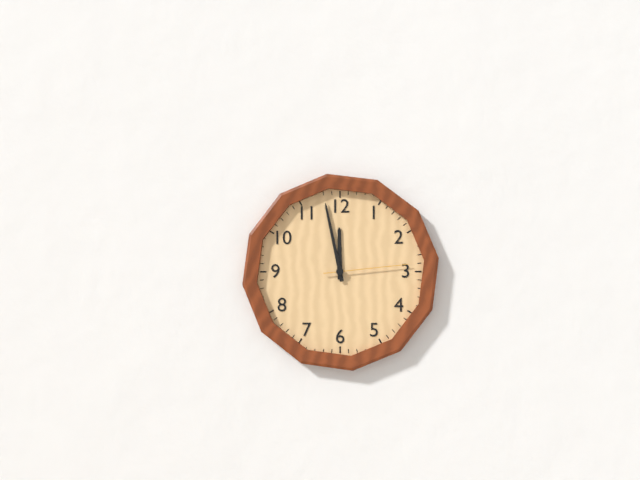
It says 11 h 58 min 14 s
